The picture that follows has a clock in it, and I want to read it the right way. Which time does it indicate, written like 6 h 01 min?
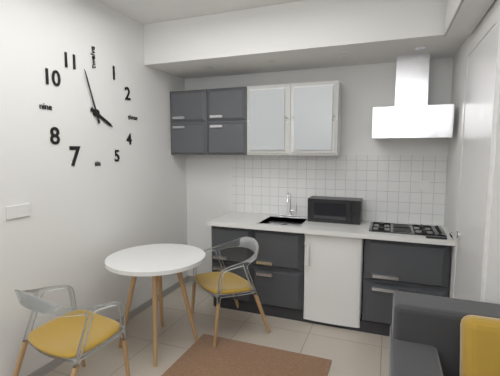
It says 3 h 57 min
